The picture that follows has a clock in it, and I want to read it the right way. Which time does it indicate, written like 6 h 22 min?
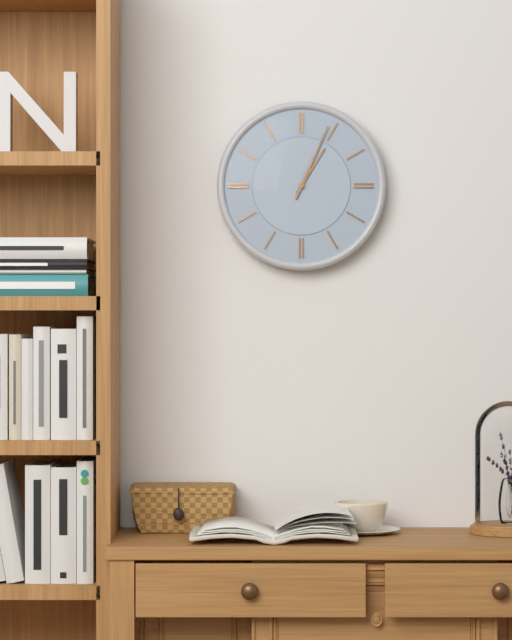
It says 1 h 04 min
